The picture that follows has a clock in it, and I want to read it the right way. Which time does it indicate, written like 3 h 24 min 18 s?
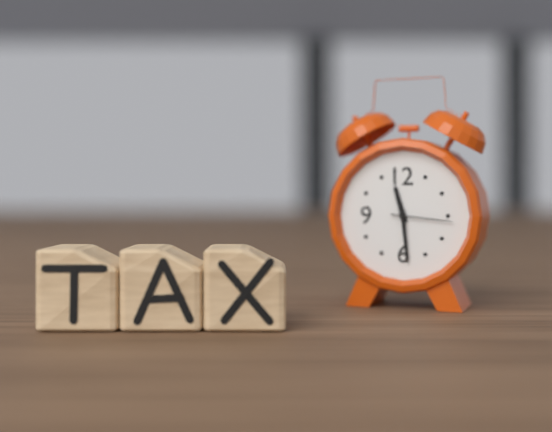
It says 11 h 29 min 16 s
